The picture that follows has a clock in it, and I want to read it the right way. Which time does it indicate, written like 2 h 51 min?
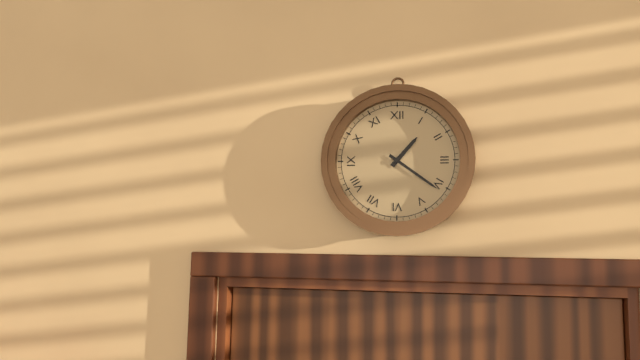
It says 1 h 21 min
